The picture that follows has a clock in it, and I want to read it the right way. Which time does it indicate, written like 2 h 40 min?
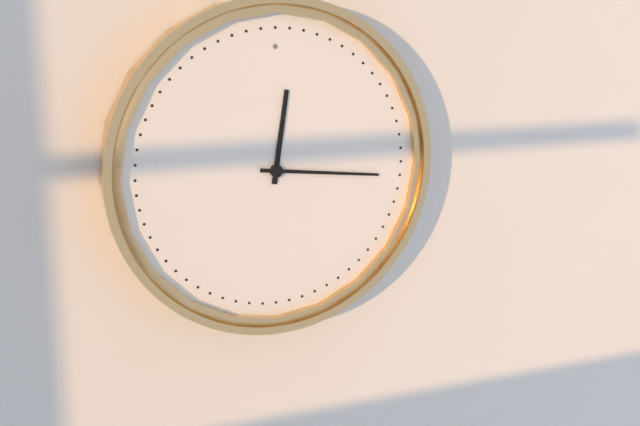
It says 12 h 16 min
